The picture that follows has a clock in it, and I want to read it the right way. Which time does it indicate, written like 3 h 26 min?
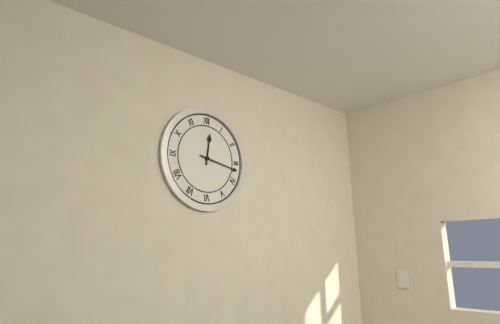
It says 12 h 17 min
